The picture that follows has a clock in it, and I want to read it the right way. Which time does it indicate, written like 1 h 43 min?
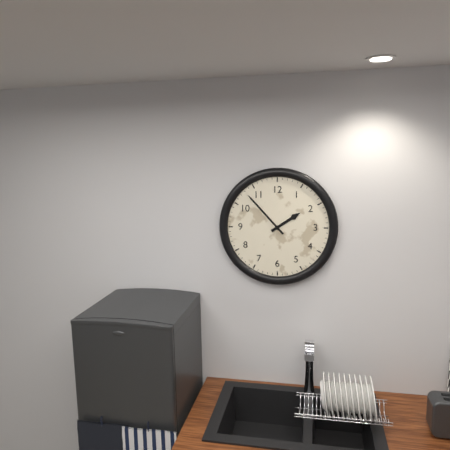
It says 1 h 53 min
